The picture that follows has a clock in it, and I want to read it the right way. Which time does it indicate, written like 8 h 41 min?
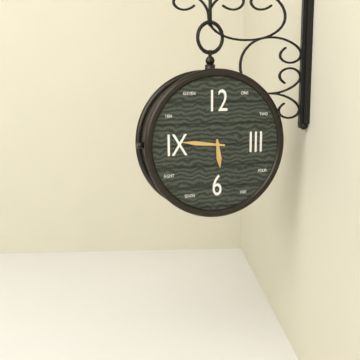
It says 5 h 46 min
